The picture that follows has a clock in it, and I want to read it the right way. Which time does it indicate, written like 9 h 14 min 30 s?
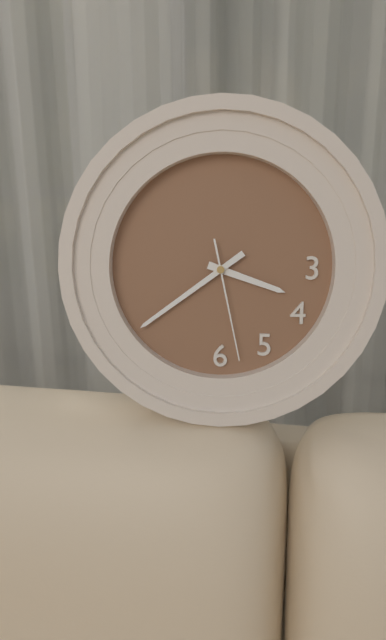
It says 3 h 39 min 28 s
